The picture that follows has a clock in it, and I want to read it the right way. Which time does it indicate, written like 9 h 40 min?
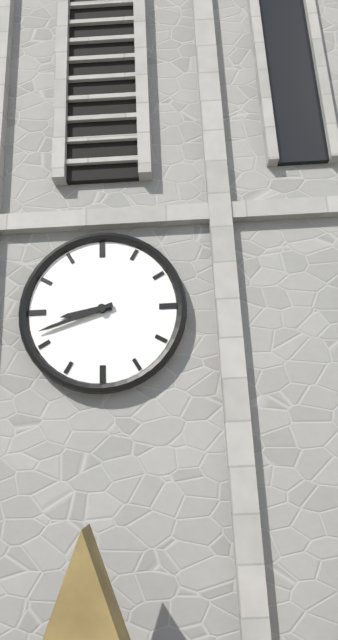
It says 8 h 42 min
